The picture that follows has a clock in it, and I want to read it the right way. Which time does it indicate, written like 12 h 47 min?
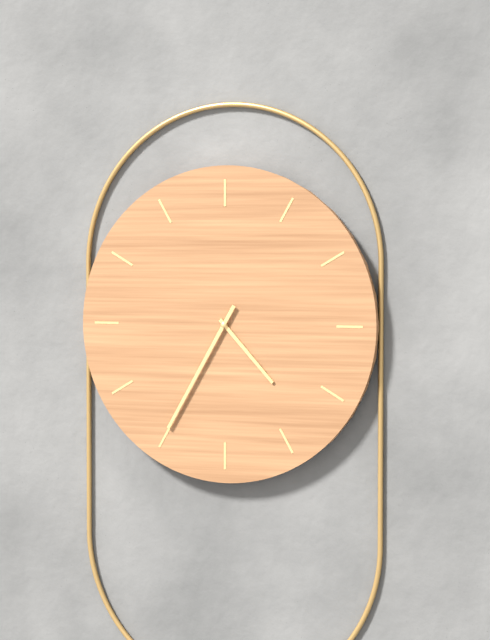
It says 4 h 35 min
